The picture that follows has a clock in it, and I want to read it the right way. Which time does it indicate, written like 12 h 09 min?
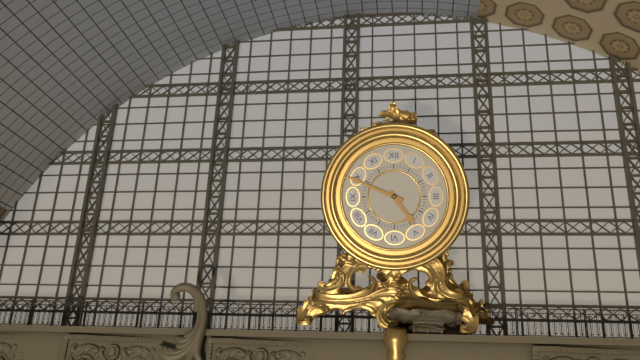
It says 4 h 49 min
